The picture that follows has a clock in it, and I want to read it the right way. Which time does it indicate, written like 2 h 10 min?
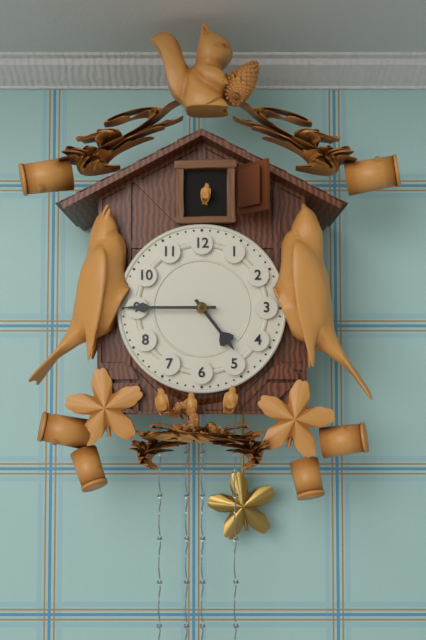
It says 4 h 45 min
